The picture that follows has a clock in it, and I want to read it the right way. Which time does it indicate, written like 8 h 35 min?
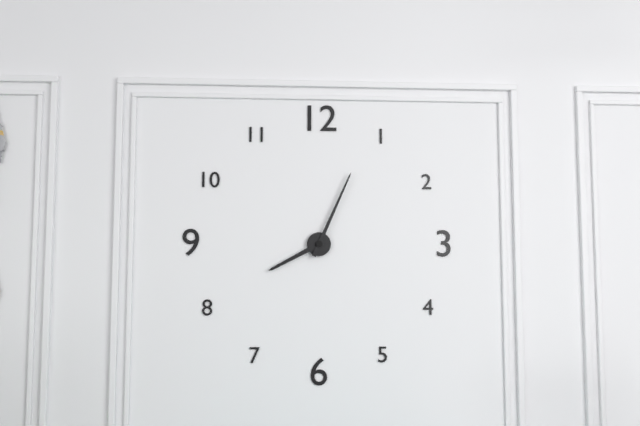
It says 8 h 04 min
